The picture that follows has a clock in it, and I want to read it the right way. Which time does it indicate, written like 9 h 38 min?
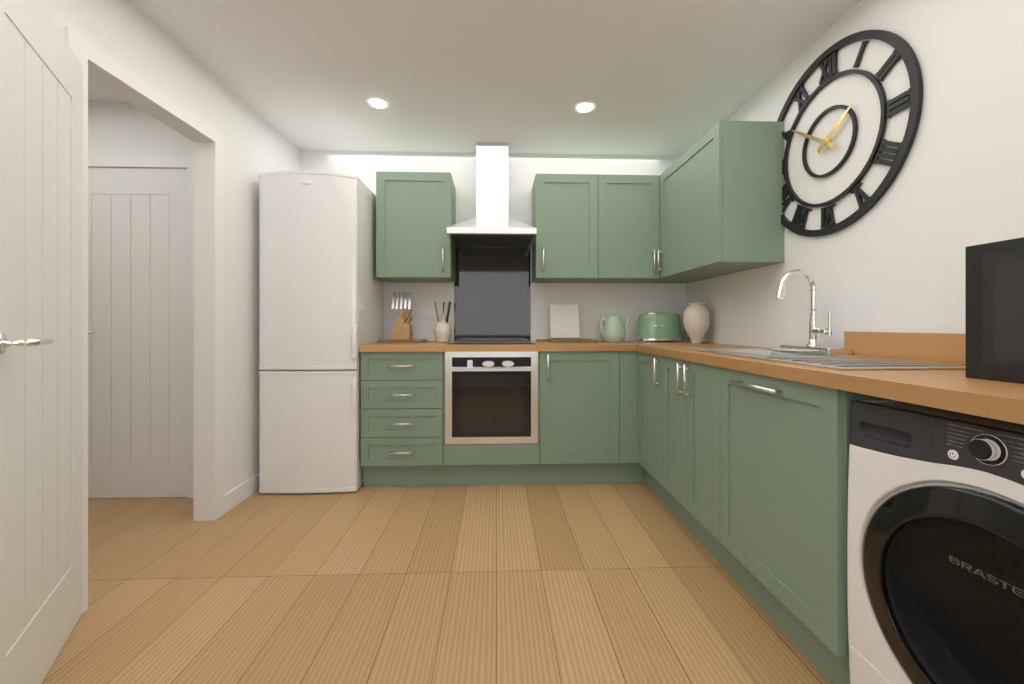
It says 1 h 51 min
